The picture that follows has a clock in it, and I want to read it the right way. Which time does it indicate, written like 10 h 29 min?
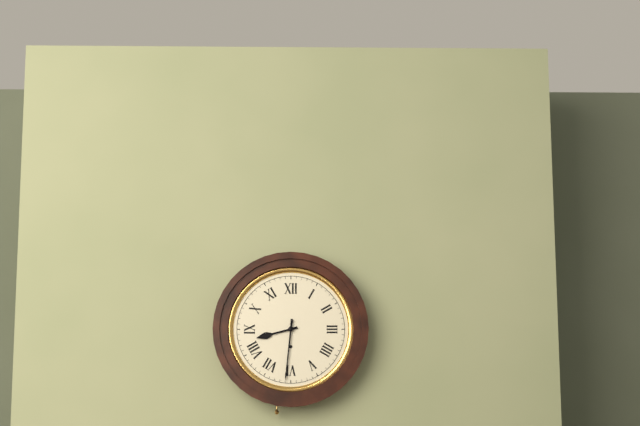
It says 8 h 31 min
